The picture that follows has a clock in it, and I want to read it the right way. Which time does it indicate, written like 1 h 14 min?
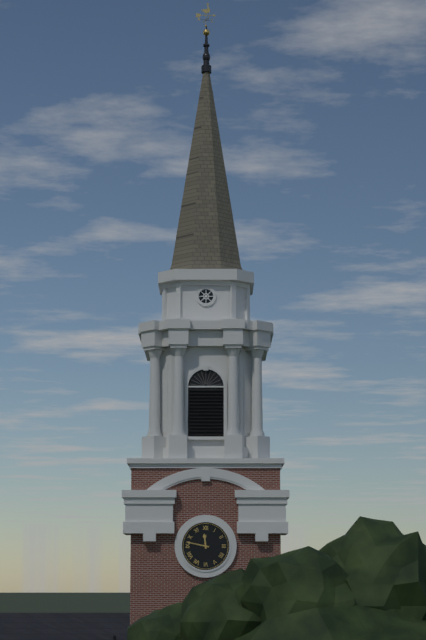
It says 11 h 47 min
